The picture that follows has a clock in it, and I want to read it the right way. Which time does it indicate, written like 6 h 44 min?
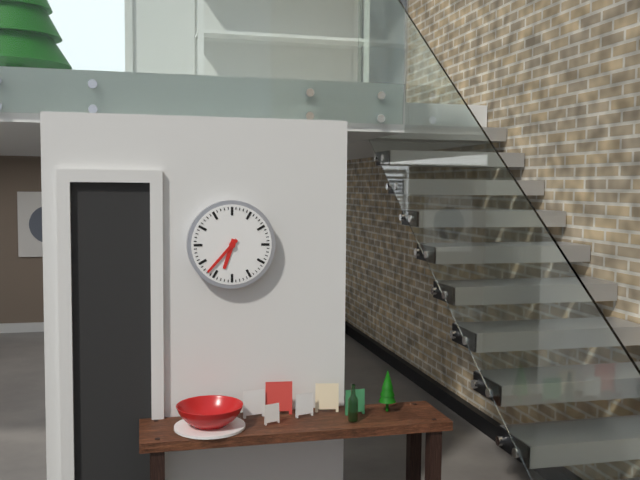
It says 6 h 37 min
